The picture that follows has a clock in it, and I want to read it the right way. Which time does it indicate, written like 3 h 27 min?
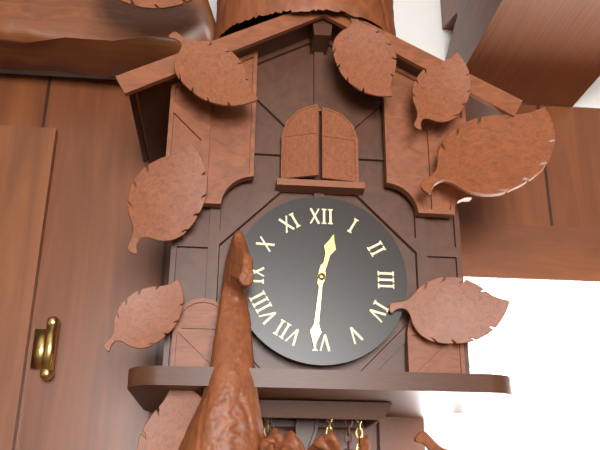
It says 12 h 31 min
